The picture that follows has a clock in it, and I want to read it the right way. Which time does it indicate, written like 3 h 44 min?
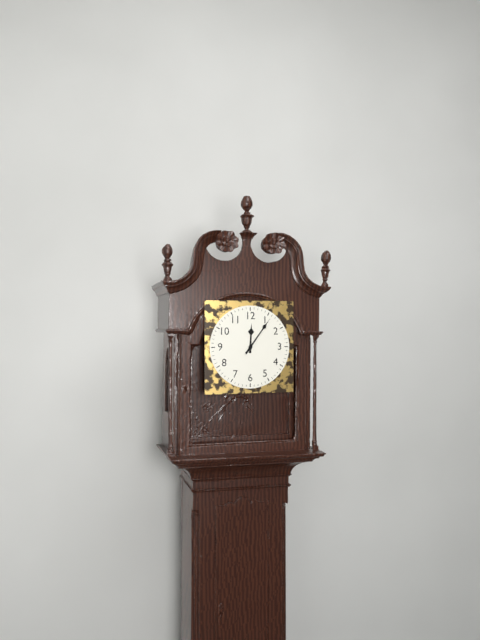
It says 12 h 06 min
